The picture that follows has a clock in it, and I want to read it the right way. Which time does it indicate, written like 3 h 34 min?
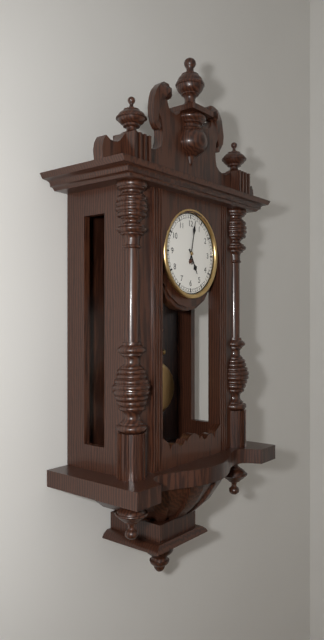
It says 5 h 02 min
